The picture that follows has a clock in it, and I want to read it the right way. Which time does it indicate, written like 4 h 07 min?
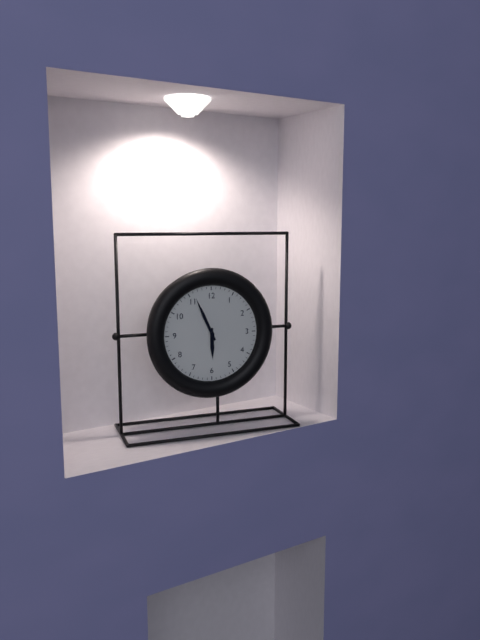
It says 5 h 56 min
